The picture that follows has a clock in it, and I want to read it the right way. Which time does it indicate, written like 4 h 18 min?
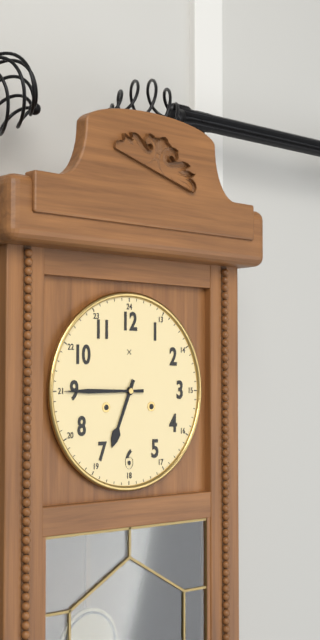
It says 6 h 45 min
